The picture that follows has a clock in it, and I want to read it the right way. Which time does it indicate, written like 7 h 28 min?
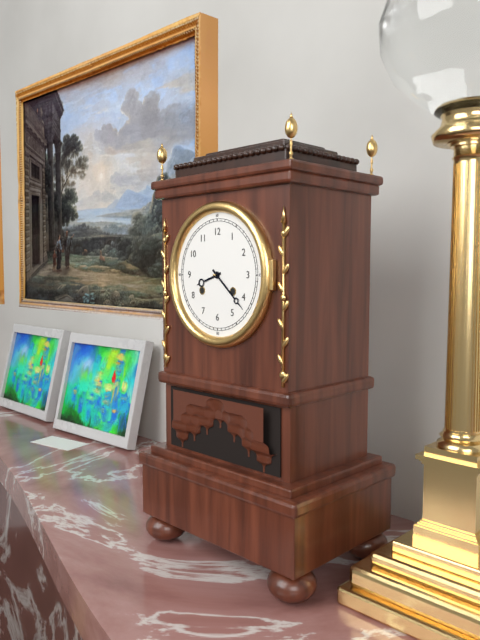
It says 8 h 22 min
